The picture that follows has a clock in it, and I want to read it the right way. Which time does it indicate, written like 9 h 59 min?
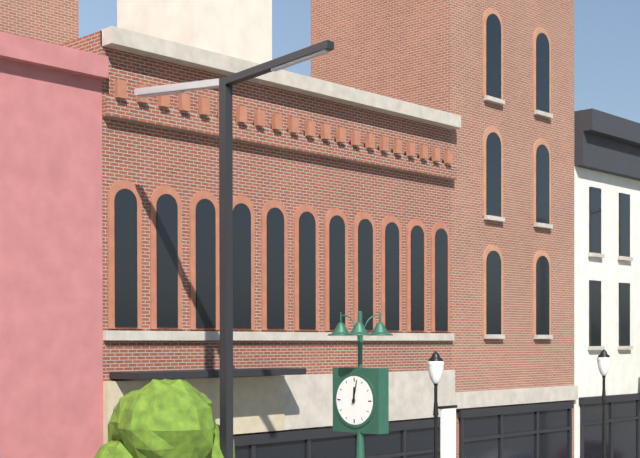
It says 12 h 02 min
